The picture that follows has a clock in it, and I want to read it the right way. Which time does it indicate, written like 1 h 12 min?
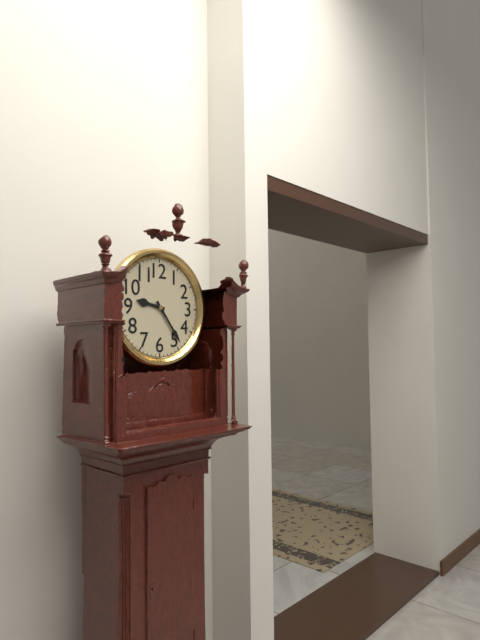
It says 9 h 24 min
